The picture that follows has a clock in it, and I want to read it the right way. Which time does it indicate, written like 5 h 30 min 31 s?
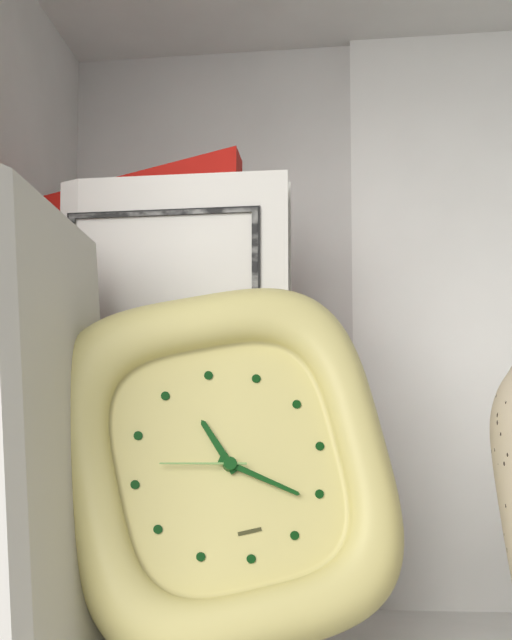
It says 11 h 21 min 47 s
